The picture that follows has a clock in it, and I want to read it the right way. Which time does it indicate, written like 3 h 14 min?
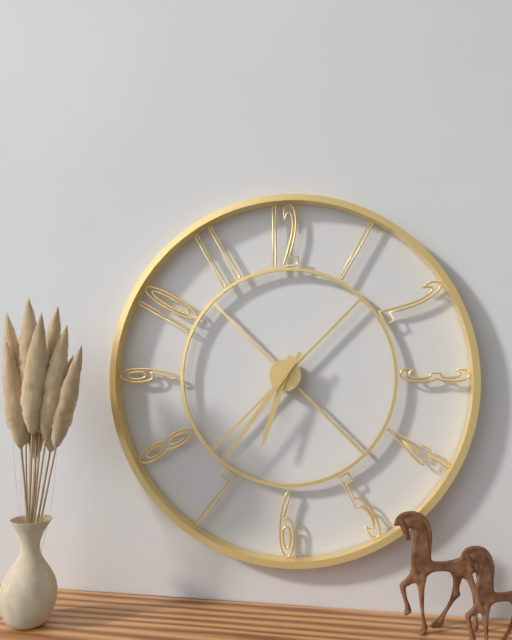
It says 6 h 36 min
